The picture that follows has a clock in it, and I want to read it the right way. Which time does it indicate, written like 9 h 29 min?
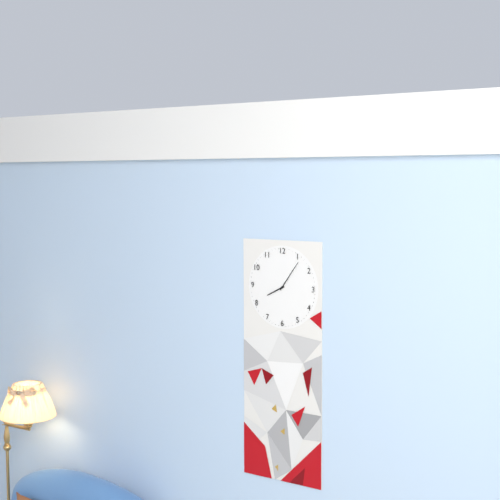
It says 8 h 06 min
